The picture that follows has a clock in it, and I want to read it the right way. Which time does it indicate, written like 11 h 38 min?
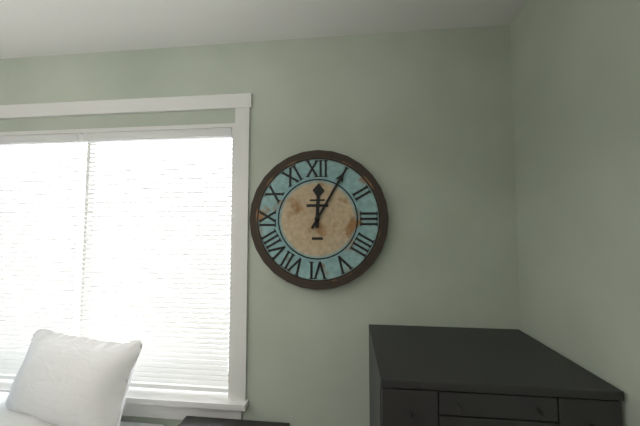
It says 12 h 05 min
